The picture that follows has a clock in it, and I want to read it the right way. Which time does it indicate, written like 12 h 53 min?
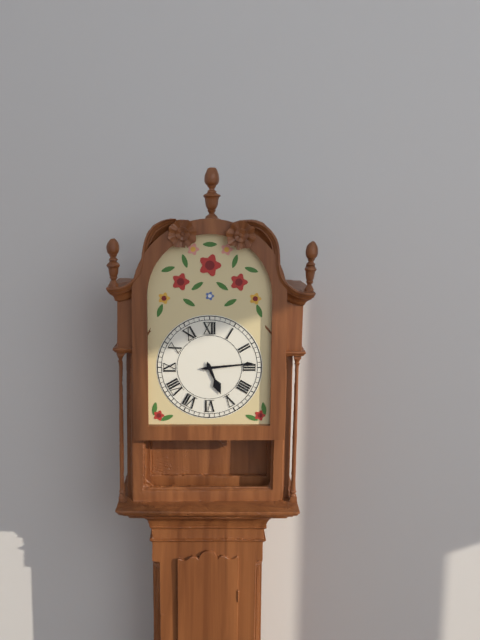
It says 5 h 14 min
